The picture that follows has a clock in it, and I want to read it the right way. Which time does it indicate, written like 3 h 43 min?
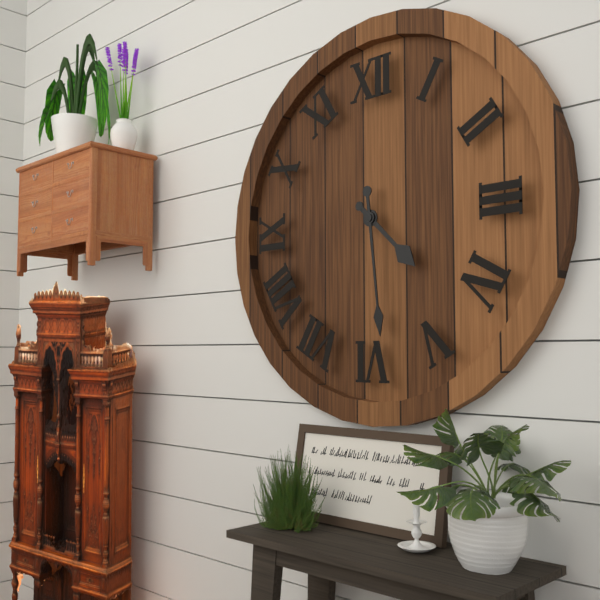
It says 4 h 29 min
